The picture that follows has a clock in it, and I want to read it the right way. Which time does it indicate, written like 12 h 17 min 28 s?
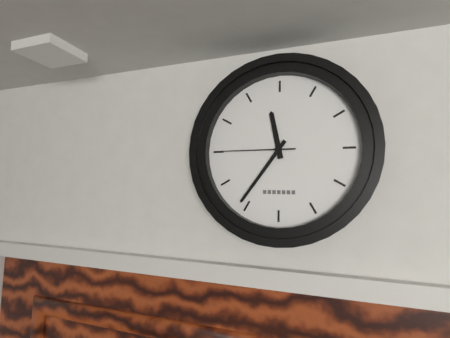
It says 11 h 36 min 45 s
